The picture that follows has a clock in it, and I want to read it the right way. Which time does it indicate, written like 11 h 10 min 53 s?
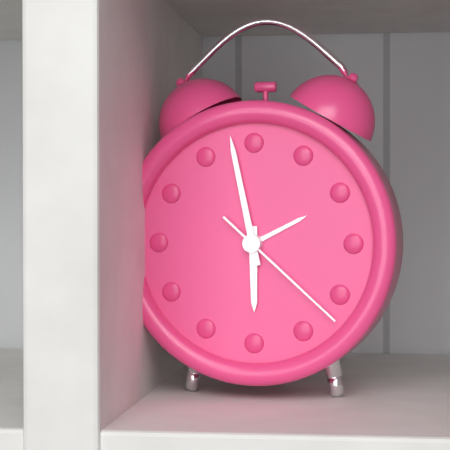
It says 5 h 58 min 22 s
